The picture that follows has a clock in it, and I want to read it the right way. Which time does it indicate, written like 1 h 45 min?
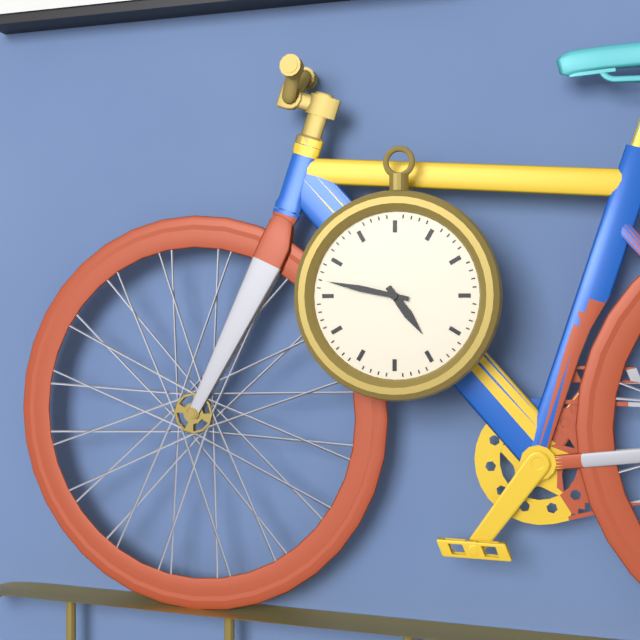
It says 4 h 47 min
